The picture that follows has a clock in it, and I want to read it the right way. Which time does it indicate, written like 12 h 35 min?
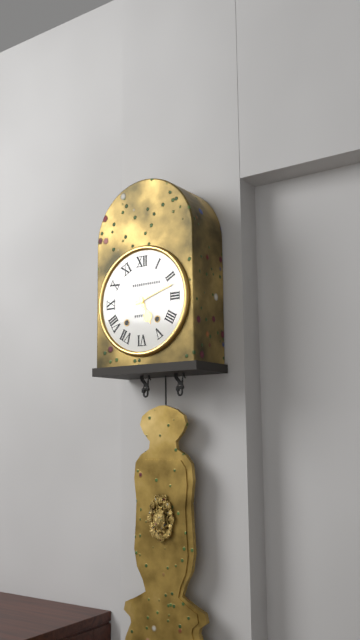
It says 5 h 12 min
